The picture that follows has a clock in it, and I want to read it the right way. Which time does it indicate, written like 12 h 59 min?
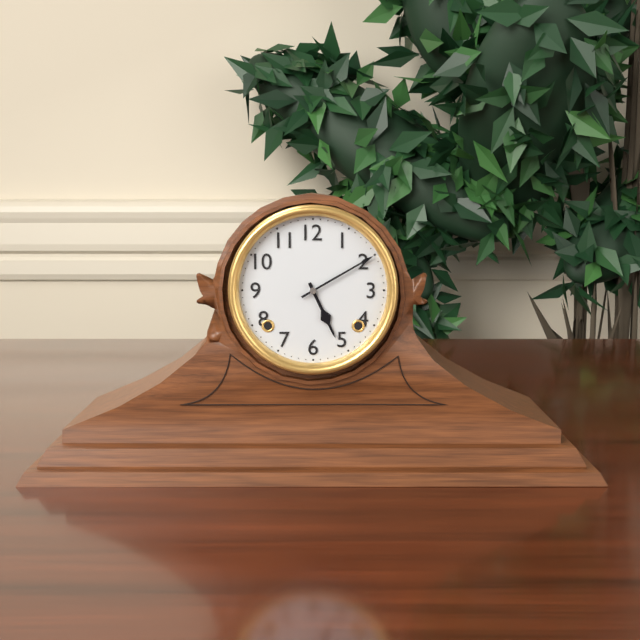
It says 5 h 10 min
